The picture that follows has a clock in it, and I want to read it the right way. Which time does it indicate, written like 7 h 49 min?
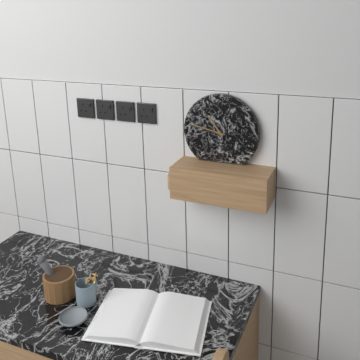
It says 10 h 47 min
